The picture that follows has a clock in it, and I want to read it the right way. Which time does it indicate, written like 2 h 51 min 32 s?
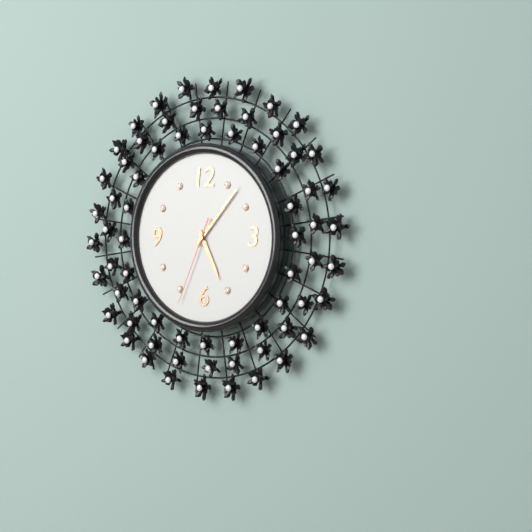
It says 5 h 07 min 34 s
